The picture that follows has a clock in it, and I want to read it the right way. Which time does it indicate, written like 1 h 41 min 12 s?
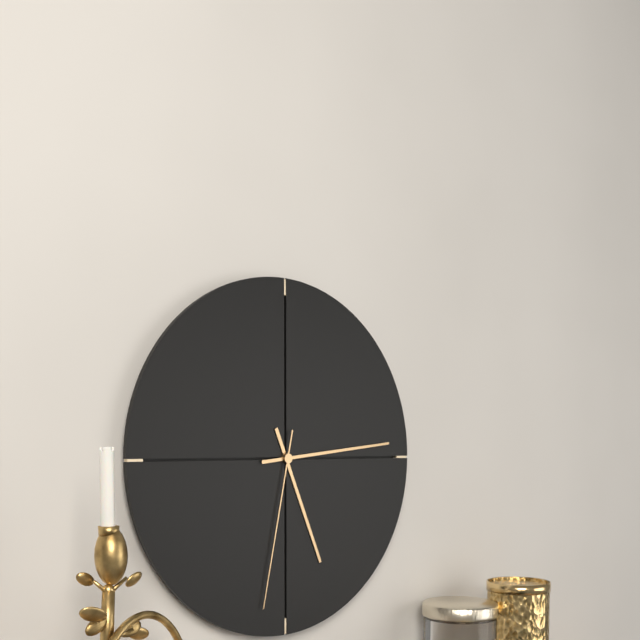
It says 5 h 14 min 32 s
